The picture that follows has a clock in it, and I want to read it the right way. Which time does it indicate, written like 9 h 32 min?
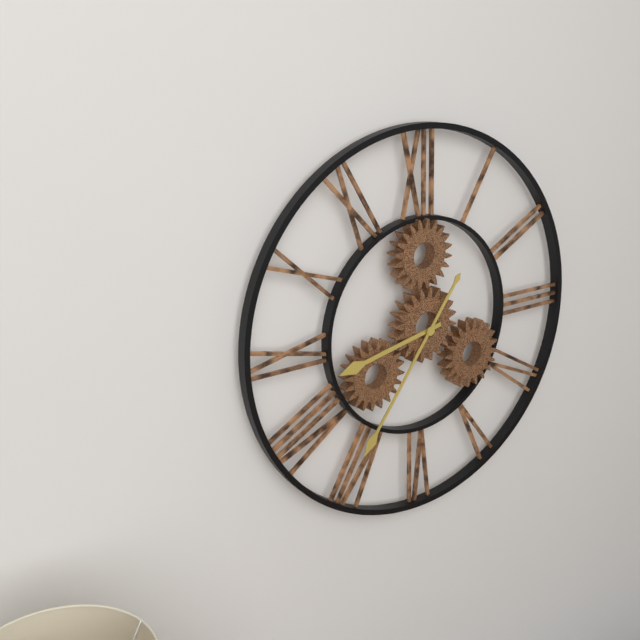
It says 8 h 36 min
